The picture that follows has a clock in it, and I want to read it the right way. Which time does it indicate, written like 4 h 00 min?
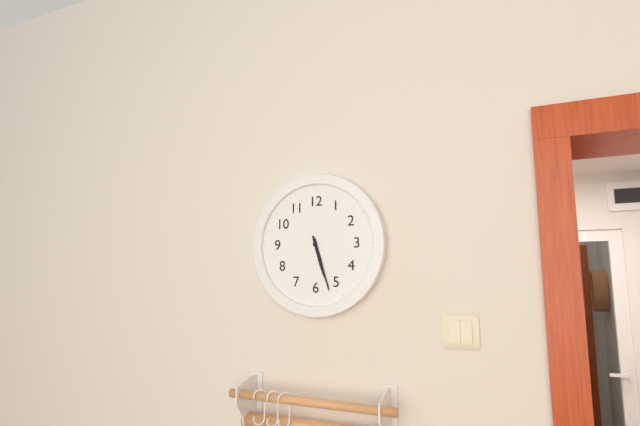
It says 5 h 27 min
